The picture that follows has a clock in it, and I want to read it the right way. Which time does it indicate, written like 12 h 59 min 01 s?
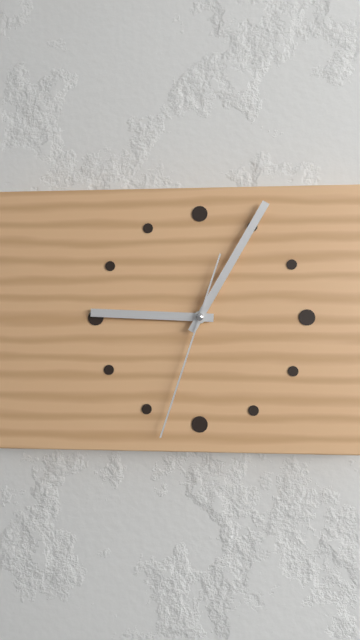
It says 9 h 05 min 33 s
